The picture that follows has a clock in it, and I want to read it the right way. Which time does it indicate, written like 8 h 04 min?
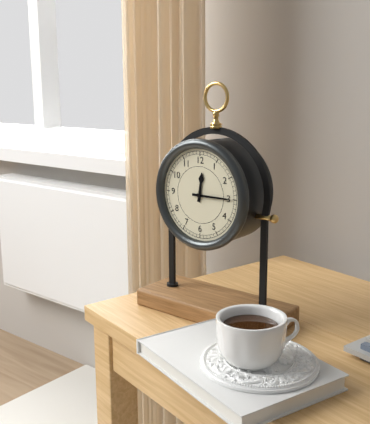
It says 12 h 15 min
